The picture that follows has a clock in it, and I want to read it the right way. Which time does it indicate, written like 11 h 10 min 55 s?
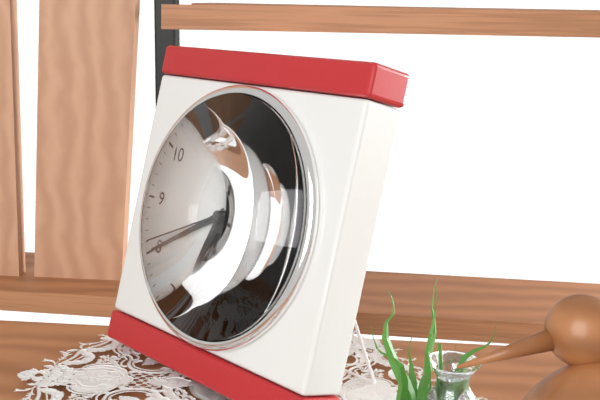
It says 6 h 40 min 41 s
